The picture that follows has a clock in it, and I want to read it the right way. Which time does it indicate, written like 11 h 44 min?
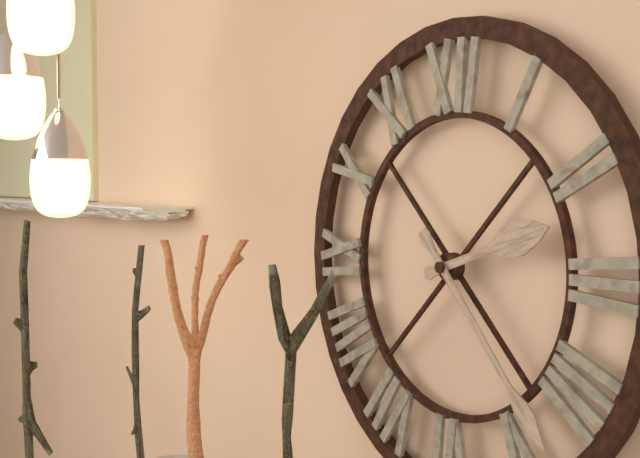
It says 2 h 23 min
